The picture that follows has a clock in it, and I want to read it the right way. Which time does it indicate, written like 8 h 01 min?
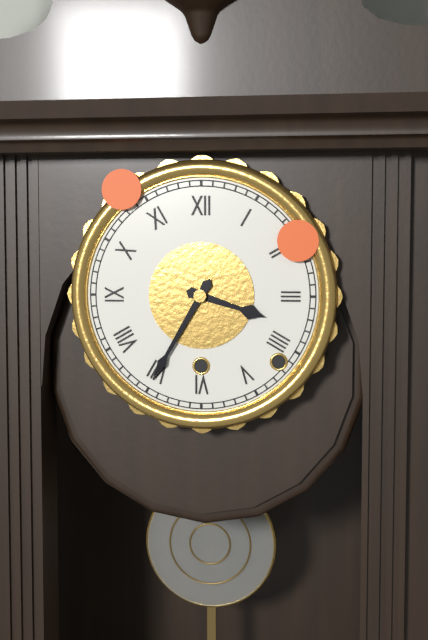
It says 3 h 35 min
